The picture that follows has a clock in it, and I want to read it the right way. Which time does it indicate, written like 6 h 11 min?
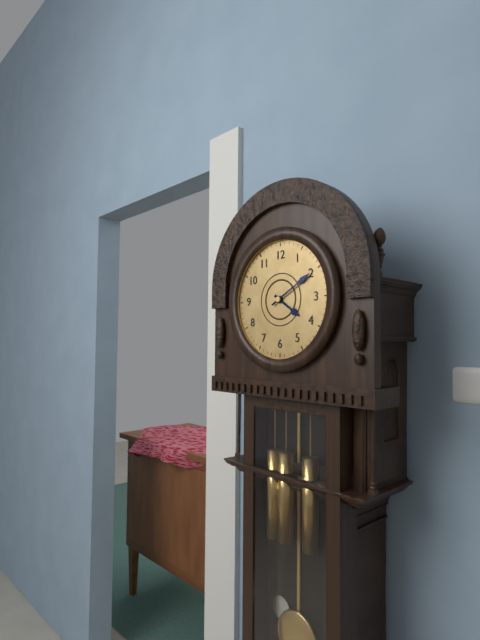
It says 4 h 10 min
